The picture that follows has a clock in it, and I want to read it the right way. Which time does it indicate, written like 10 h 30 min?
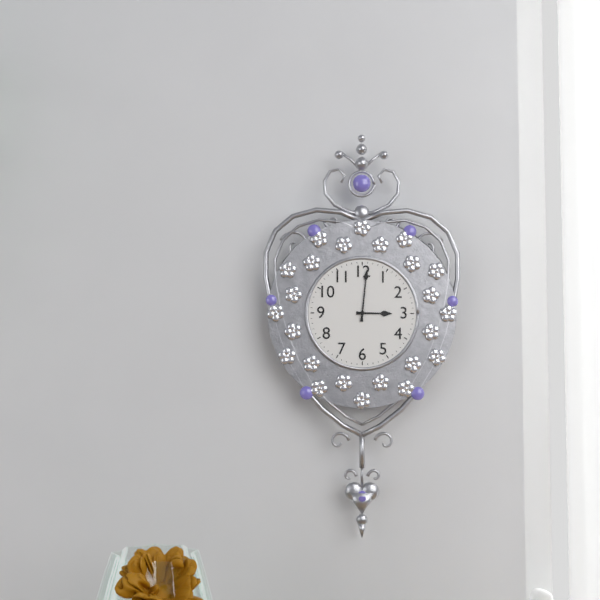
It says 3 h 01 min
